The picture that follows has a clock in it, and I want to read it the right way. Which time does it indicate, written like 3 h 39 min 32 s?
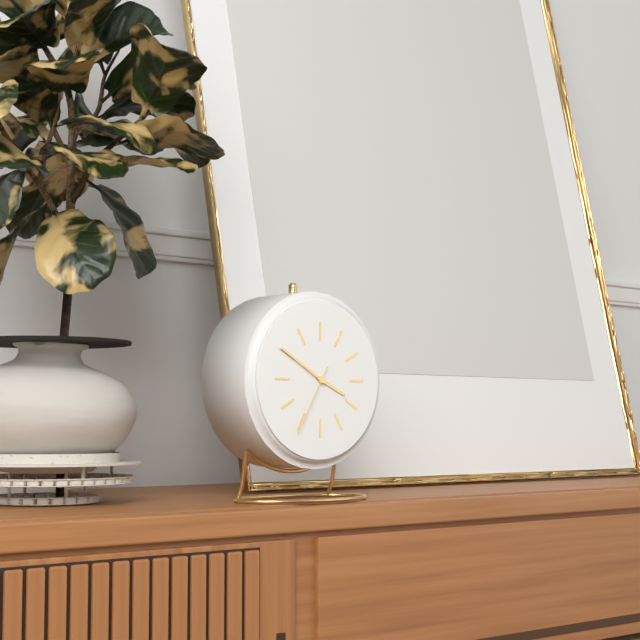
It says 3 h 50 min 35 s
